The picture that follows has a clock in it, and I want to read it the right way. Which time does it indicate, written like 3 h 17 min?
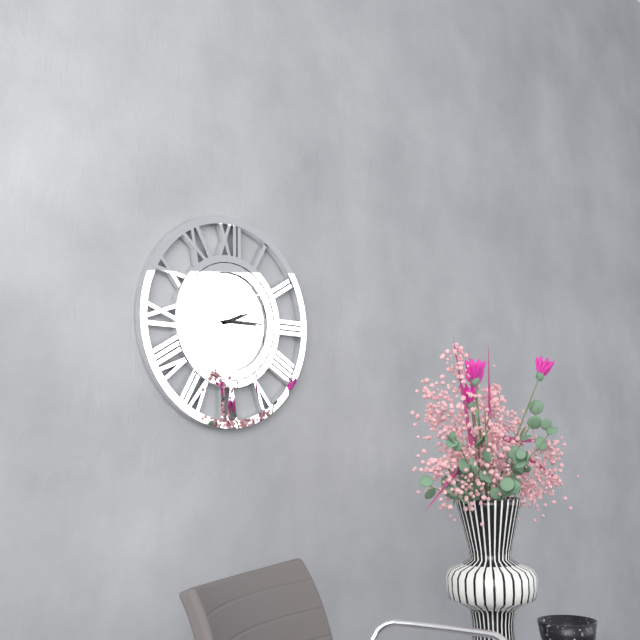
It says 2 h 15 min
